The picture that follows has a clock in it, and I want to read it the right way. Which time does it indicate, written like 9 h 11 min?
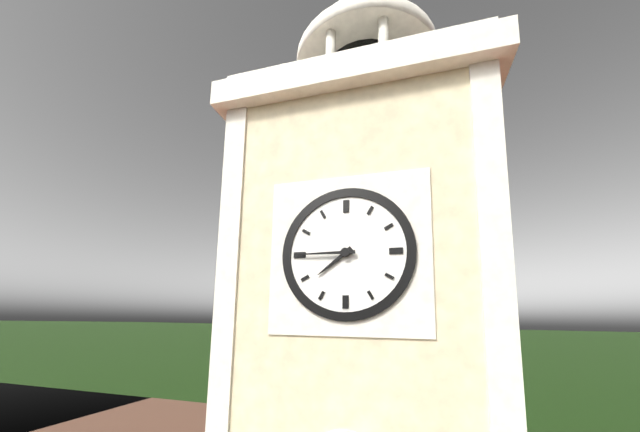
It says 7 h 45 min
